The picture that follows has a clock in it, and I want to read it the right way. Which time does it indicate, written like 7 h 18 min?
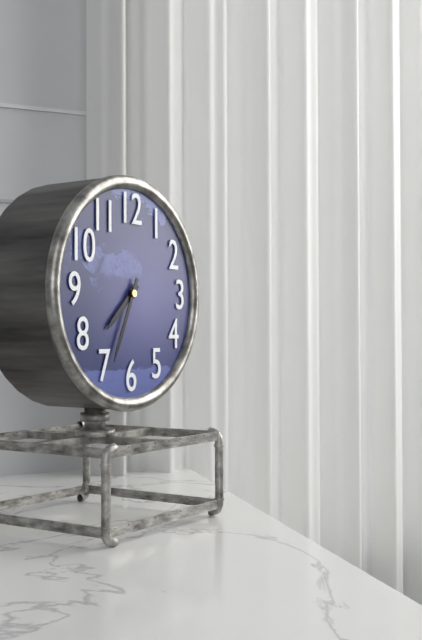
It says 7 h 34 min
